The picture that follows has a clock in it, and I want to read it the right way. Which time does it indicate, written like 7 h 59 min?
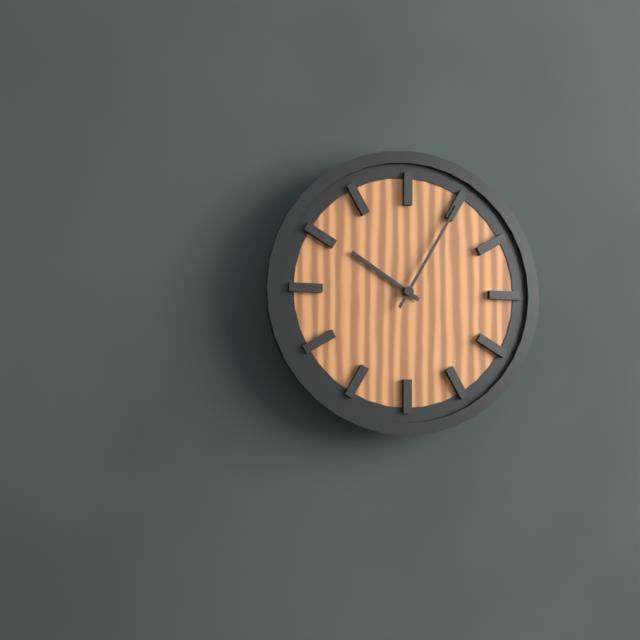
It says 10 h 05 min
